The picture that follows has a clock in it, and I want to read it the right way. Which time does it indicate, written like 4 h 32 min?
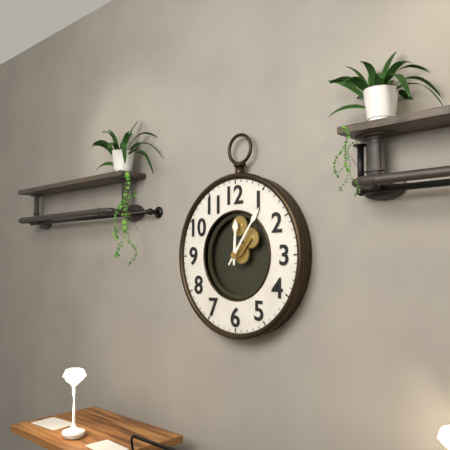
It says 12 h 06 min
